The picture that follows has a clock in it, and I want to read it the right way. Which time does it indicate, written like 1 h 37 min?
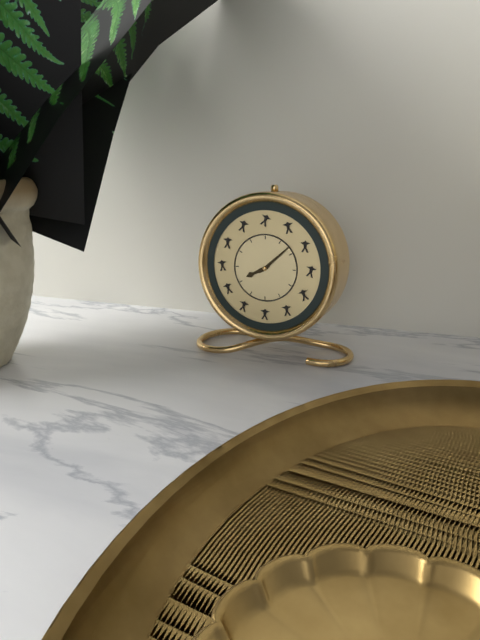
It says 8 h 08 min
